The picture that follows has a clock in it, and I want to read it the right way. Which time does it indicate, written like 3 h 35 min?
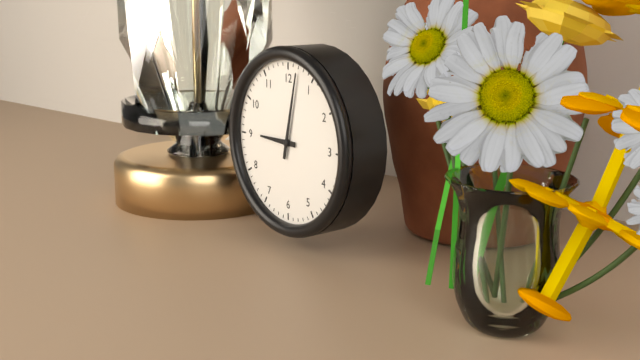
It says 9 h 02 min
